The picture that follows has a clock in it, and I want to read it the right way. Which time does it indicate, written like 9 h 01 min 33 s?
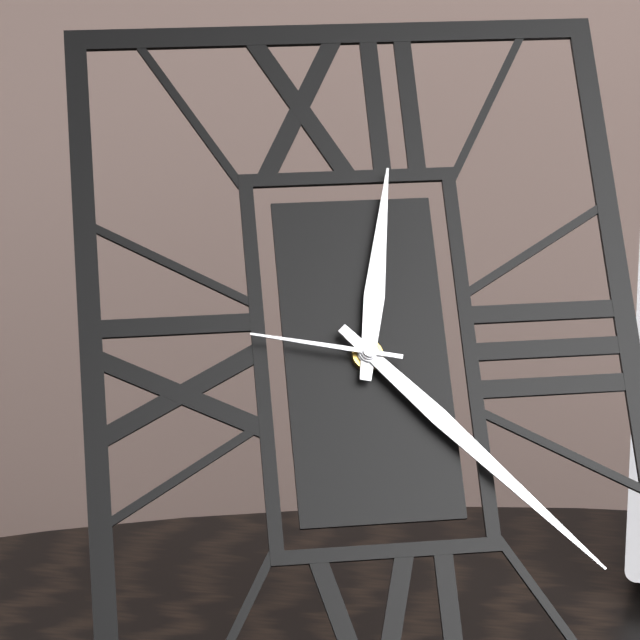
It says 12 h 23 min 47 s
